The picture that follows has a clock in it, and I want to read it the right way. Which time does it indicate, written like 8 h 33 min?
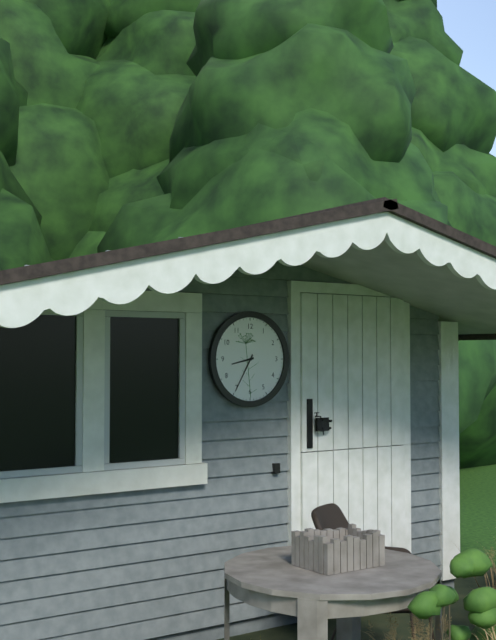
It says 8 h 35 min
